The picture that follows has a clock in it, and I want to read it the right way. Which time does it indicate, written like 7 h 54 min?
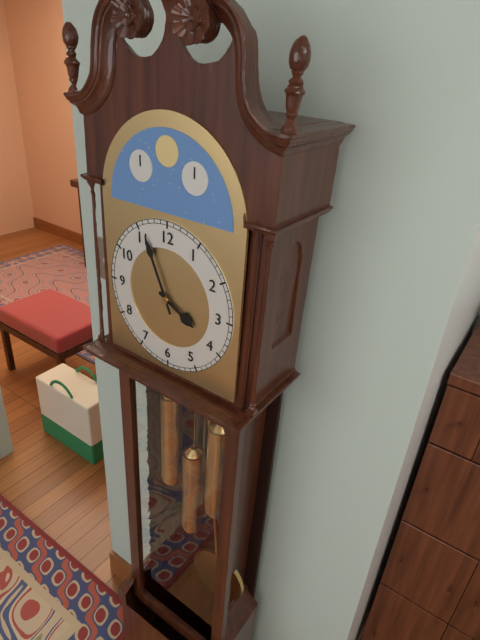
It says 3 h 56 min
